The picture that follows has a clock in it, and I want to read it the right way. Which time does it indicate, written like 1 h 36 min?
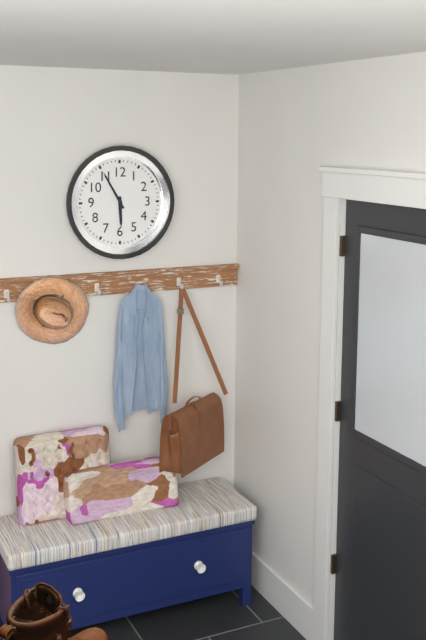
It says 5 h 55 min
